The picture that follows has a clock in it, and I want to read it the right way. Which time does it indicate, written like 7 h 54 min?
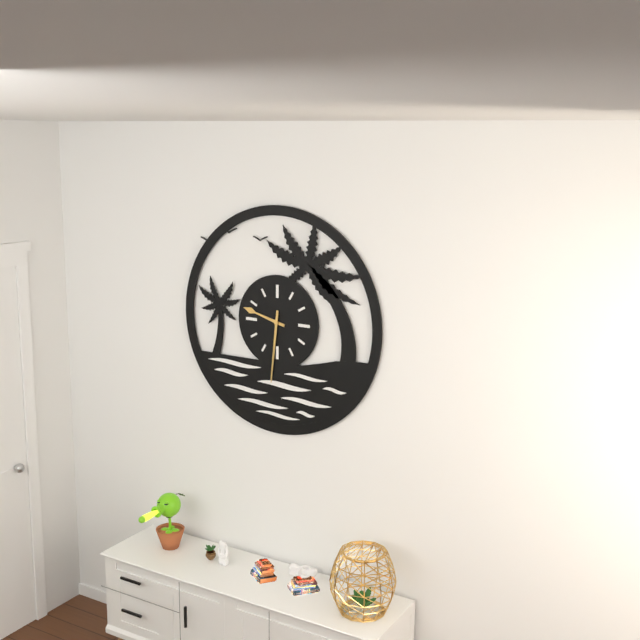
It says 9 h 31 min
